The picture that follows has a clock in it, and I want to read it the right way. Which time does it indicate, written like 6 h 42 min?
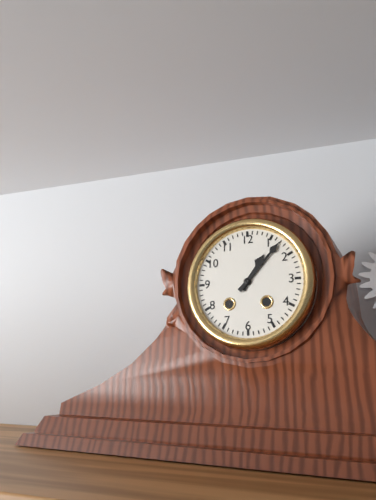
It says 1 h 07 min
